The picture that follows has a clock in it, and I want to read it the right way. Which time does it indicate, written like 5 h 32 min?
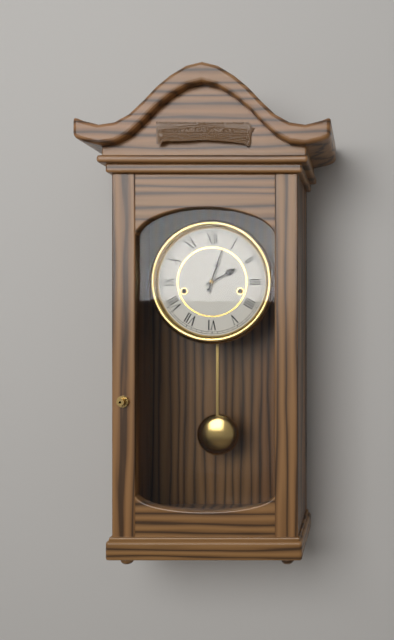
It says 2 h 03 min
